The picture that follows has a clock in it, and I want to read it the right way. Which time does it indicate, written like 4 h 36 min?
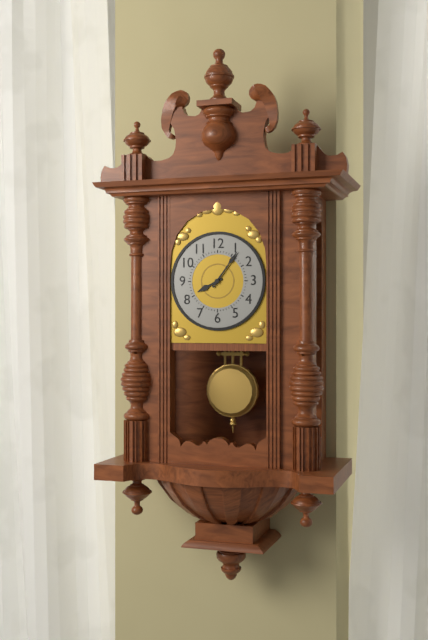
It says 8 h 06 min
